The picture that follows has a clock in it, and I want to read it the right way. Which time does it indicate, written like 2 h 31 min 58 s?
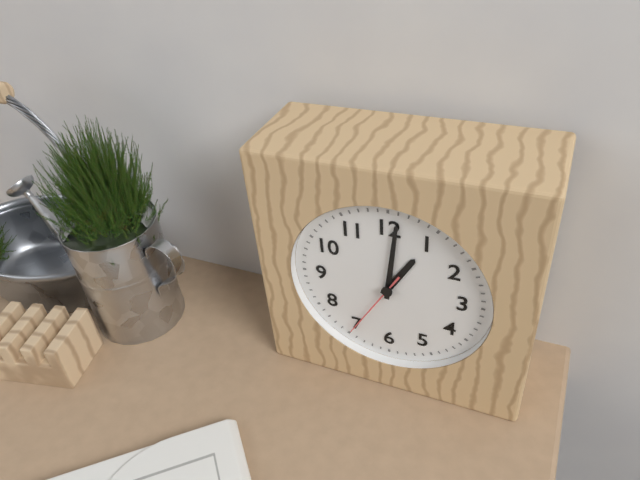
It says 1 h 01 min 35 s
